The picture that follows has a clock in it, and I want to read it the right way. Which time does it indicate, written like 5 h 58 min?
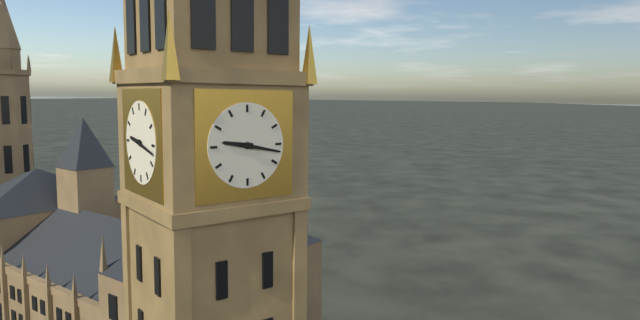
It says 9 h 17 min
